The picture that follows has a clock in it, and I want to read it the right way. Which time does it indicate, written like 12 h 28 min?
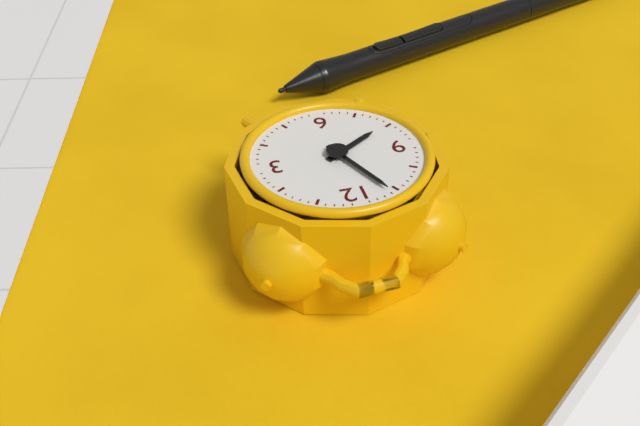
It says 7 h 56 min
